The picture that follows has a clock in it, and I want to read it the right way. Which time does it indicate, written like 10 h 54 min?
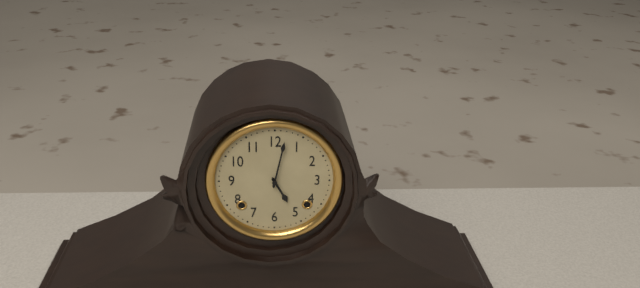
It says 5 h 02 min
